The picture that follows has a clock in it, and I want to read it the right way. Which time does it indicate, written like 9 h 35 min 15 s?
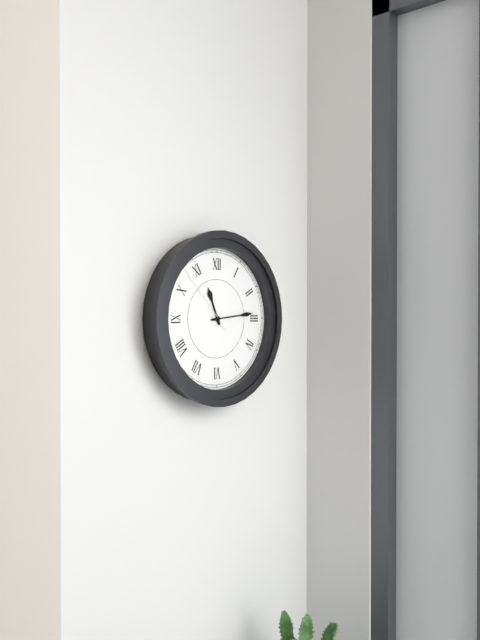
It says 11 h 14 min 53 s
